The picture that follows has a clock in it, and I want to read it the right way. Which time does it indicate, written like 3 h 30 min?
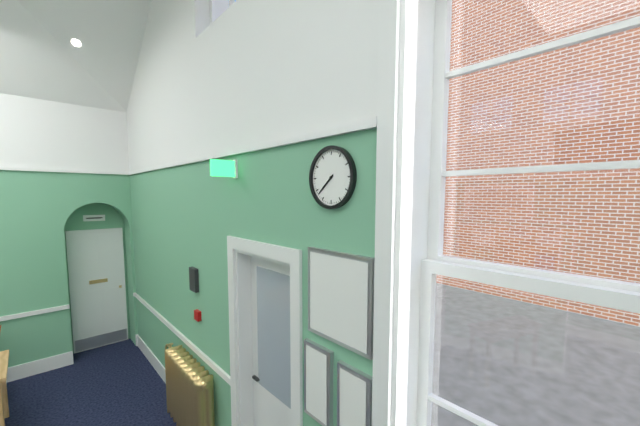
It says 7 h 38 min
